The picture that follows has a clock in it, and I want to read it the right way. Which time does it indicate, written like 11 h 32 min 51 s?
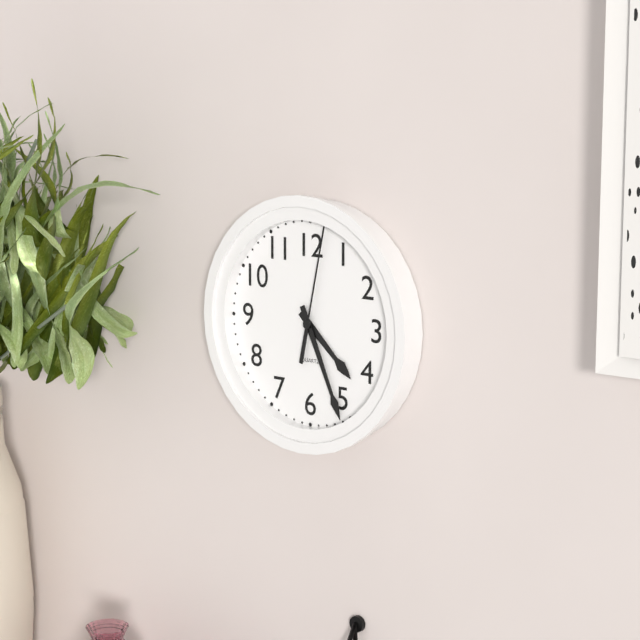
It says 4 h 26 min 02 s
